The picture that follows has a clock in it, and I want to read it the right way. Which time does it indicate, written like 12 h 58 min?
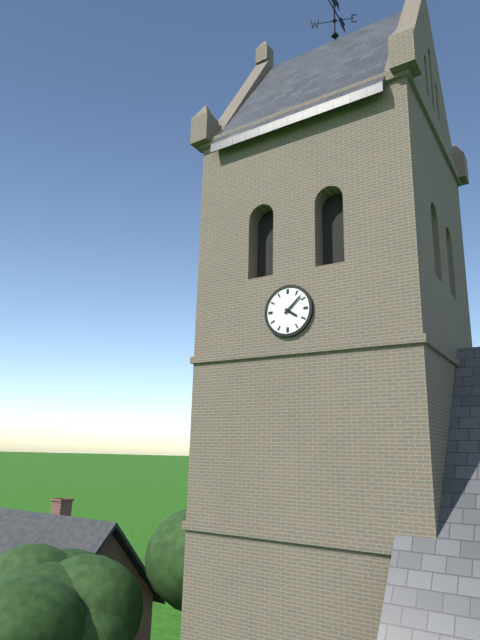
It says 4 h 08 min
